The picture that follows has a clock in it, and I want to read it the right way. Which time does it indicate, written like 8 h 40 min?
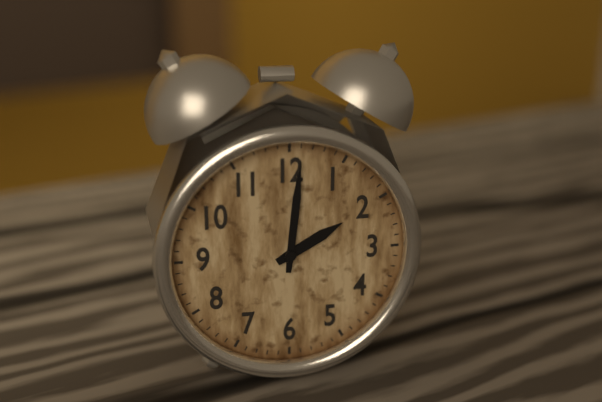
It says 2 h 01 min
